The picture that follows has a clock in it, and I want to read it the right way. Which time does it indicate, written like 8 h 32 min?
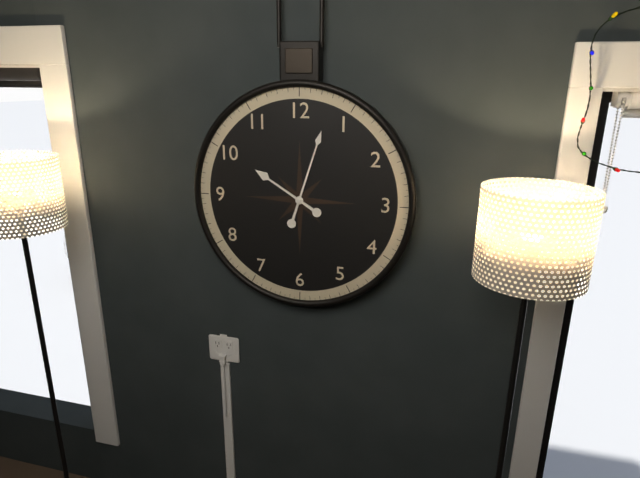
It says 10 h 03 min
